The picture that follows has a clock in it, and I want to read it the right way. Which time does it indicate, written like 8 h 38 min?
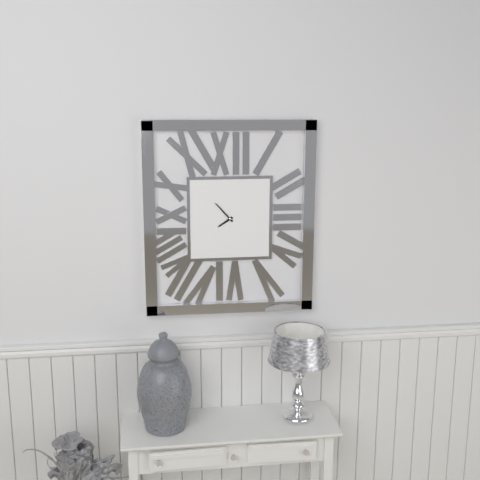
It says 7 h 53 min
